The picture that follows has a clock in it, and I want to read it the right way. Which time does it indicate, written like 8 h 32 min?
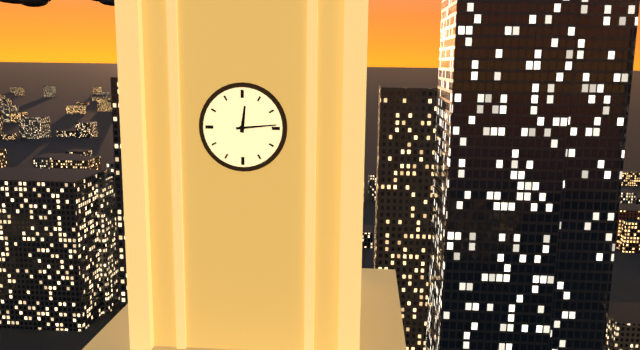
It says 12 h 14 min
